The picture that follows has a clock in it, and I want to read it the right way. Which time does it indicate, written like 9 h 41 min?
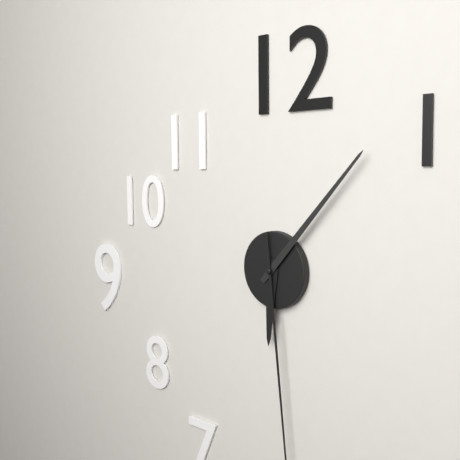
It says 6 h 07 min
